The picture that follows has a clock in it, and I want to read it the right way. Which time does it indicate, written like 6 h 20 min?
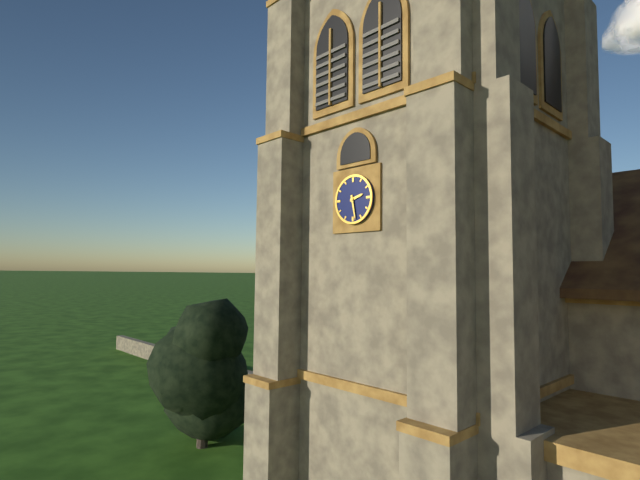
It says 2 h 28 min
